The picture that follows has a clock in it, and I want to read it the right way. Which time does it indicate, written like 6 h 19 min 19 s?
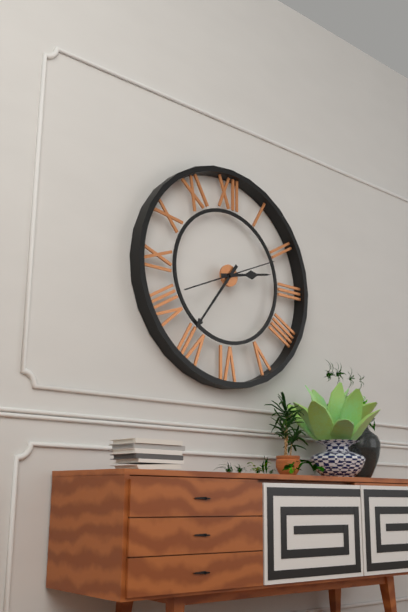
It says 2 h 36 min 11 s
